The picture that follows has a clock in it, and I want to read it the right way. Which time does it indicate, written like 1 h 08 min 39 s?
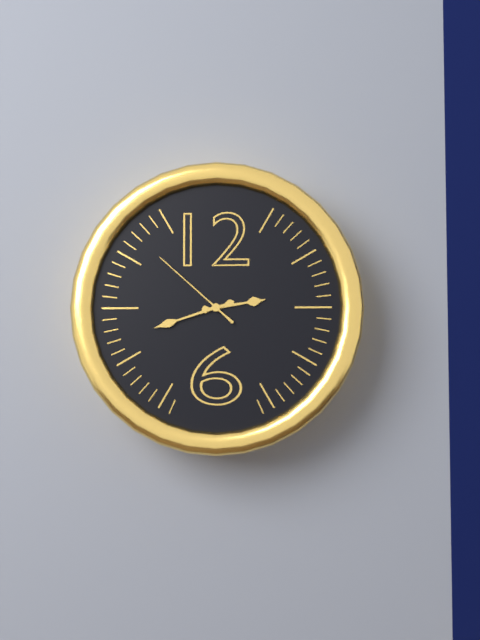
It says 2 h 42 min 52 s
